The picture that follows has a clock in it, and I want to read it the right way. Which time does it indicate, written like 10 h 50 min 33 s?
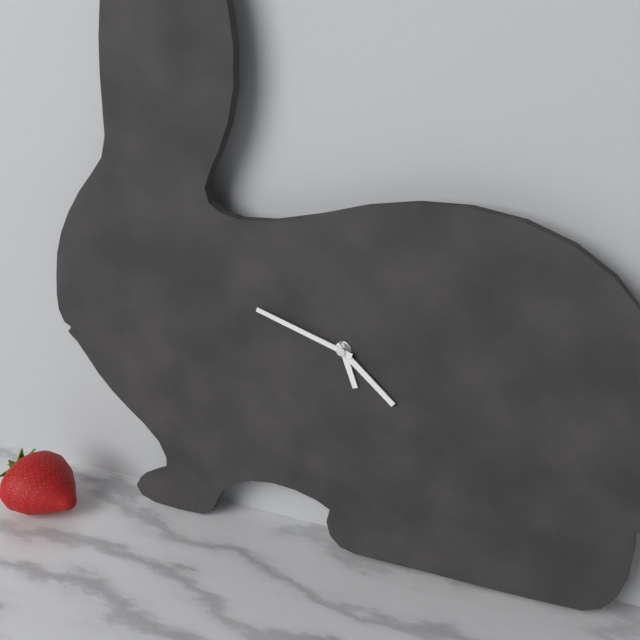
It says 5 h 22 min 48 s
